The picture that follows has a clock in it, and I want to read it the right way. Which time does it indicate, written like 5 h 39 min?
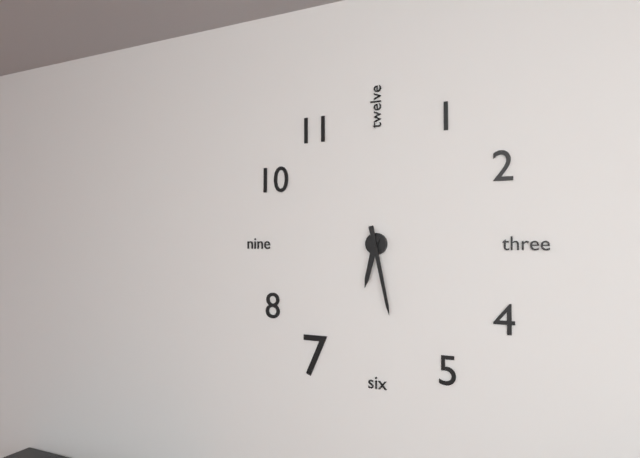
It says 6 h 28 min
